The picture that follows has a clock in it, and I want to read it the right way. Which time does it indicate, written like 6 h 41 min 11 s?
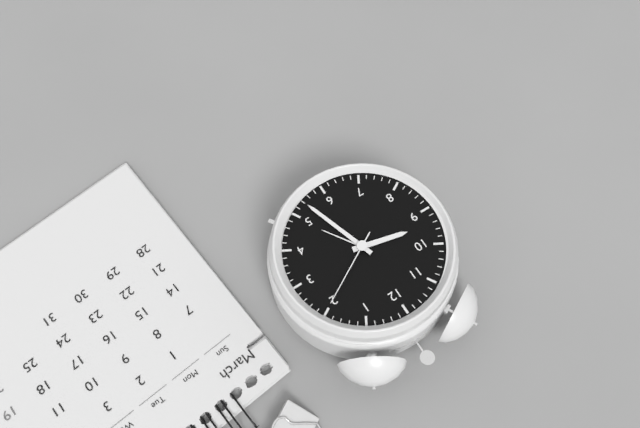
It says 9 h 27 min 10 s
